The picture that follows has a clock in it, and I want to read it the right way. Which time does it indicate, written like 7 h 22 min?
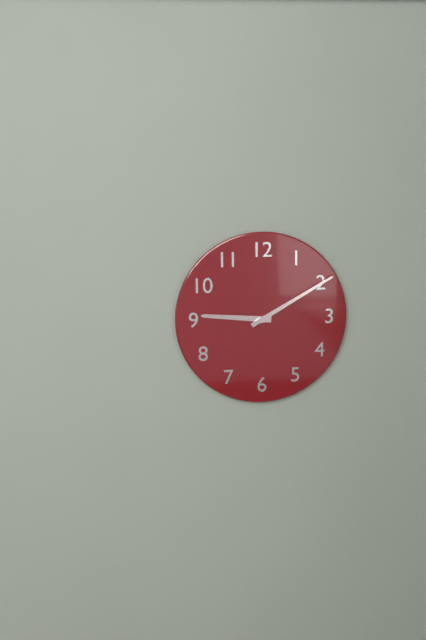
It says 9 h 10 min
